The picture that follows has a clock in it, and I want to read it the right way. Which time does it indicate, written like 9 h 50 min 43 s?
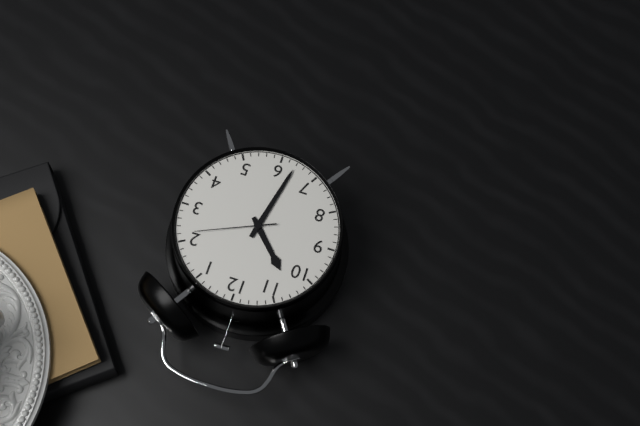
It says 10 h 32 min 11 s
